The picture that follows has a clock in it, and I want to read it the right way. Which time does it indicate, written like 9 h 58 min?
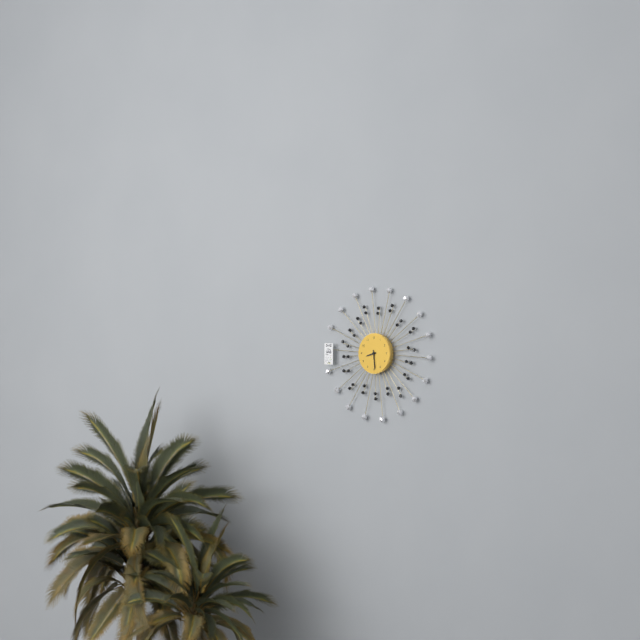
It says 8 h 29 min
